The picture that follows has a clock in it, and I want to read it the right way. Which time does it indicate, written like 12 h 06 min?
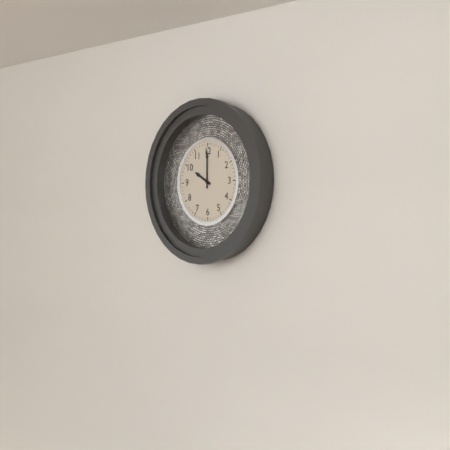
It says 10 h 00 min
